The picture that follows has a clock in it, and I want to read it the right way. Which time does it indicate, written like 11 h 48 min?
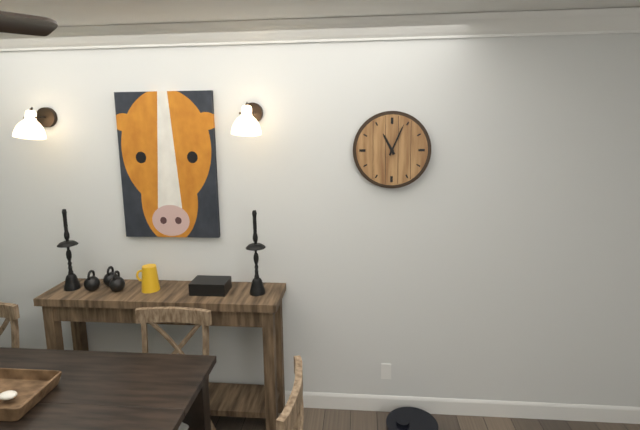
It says 11 h 04 min
